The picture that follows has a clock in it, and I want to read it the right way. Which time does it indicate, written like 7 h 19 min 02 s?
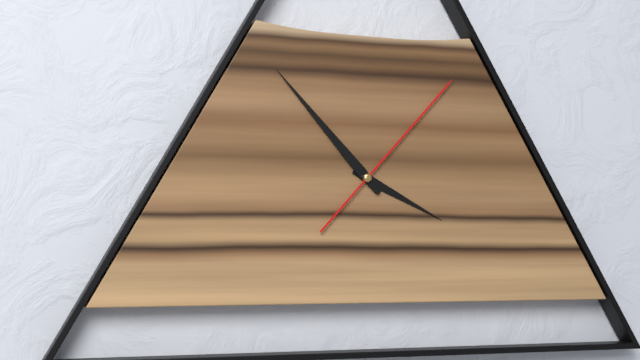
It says 3 h 53 min 07 s
